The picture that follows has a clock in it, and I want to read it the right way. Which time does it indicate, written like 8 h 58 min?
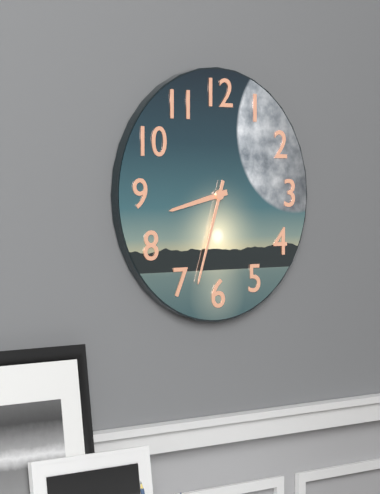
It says 8 h 33 min
